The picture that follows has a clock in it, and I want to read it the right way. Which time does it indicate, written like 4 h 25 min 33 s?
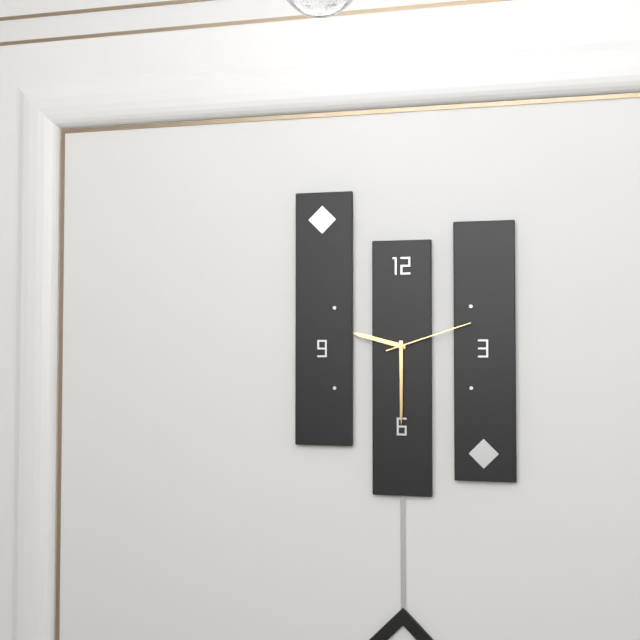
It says 9 h 30 min 12 s
